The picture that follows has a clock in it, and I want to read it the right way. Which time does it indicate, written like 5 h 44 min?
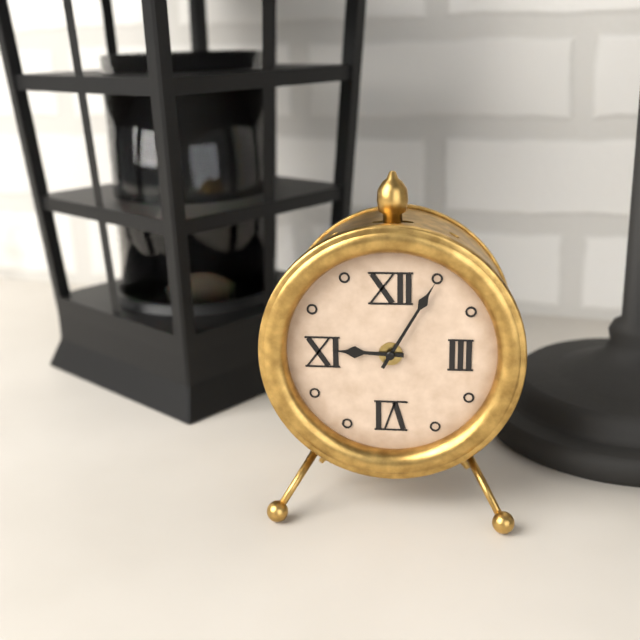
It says 9 h 05 min
